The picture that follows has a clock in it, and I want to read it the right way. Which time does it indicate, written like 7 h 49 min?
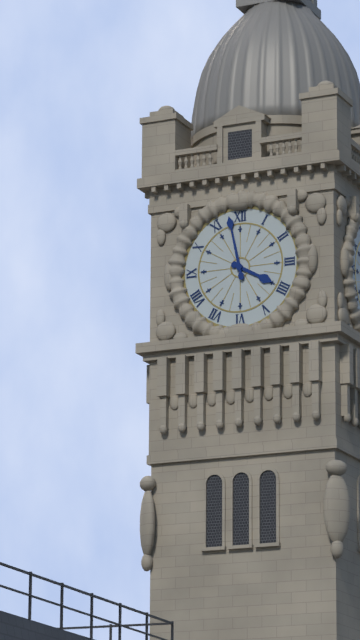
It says 3 h 58 min
